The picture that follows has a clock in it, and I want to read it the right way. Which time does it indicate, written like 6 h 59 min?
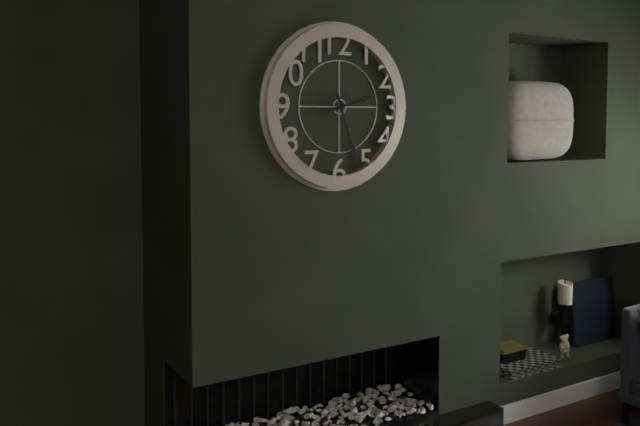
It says 2 h 27 min
